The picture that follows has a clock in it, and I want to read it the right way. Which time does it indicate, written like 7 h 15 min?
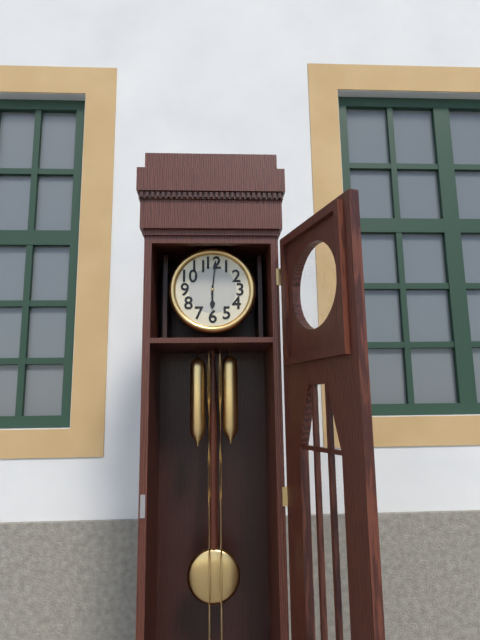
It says 6 h 01 min
